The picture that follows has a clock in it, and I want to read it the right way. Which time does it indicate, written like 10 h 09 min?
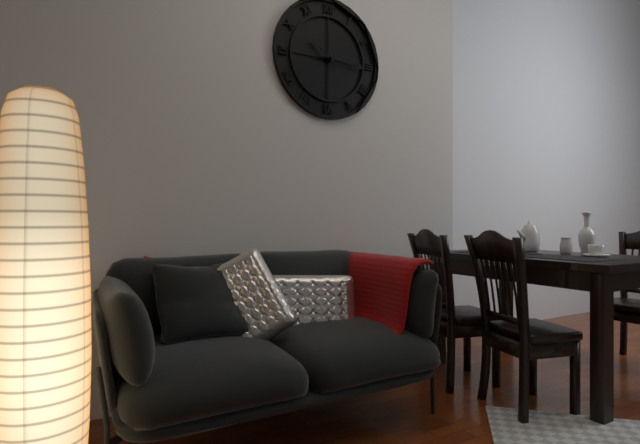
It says 10 h 16 min
